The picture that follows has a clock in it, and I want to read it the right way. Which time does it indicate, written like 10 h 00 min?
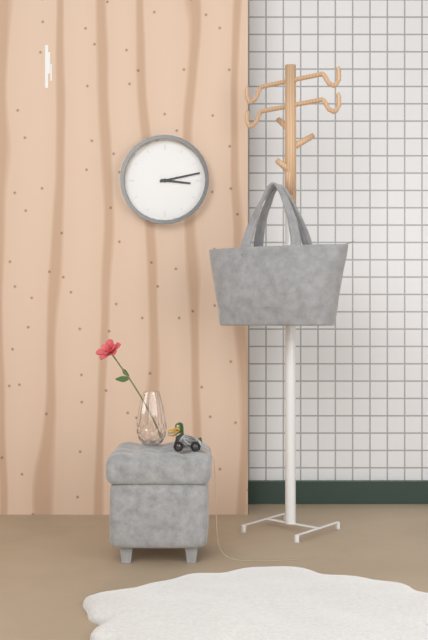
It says 3 h 13 min
